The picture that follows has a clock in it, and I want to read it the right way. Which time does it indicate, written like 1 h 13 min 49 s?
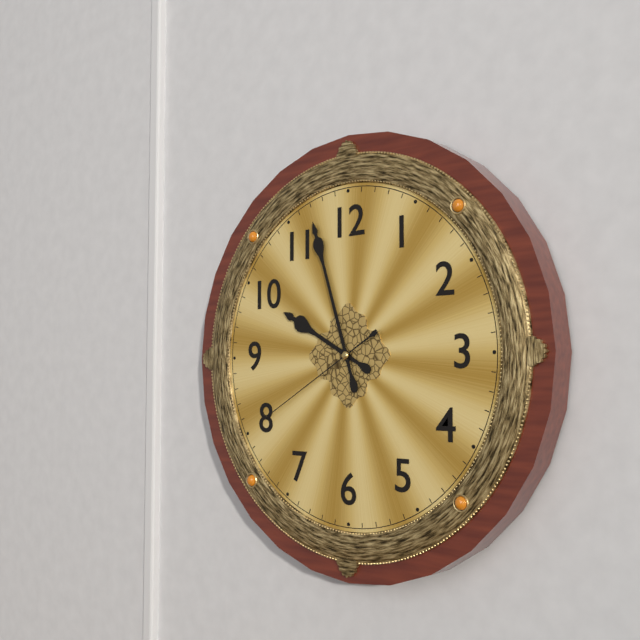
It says 9 h 57 min 40 s
